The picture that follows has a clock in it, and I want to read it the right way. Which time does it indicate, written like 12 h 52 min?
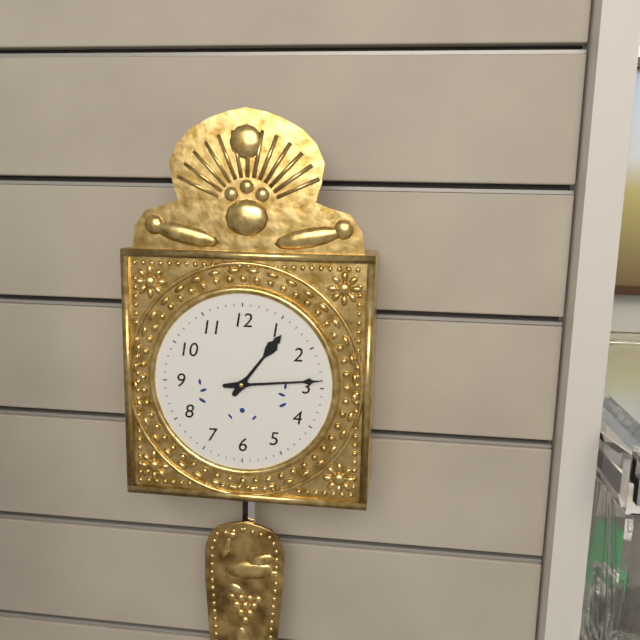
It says 1 h 14 min
